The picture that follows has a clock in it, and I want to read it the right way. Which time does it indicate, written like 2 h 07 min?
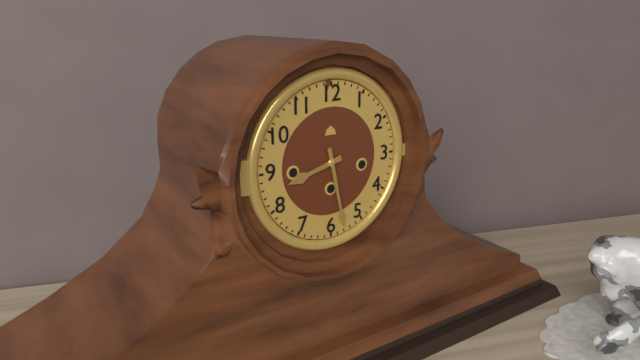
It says 8 h 28 min
